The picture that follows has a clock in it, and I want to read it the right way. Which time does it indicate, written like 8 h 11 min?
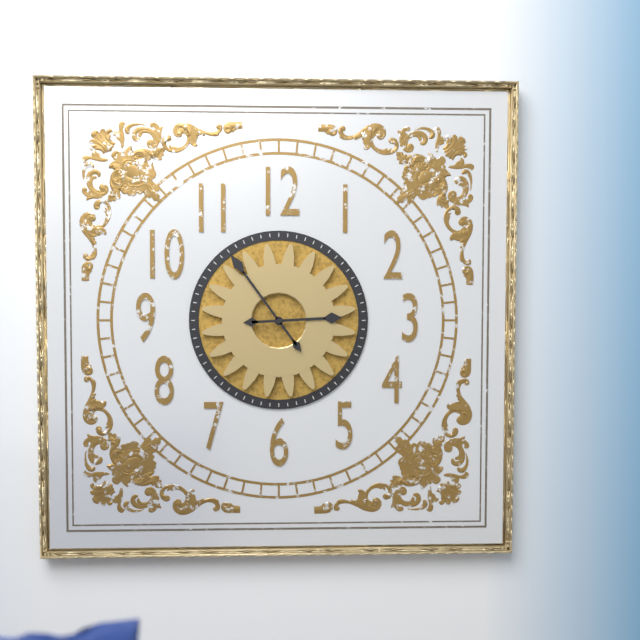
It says 2 h 54 min
